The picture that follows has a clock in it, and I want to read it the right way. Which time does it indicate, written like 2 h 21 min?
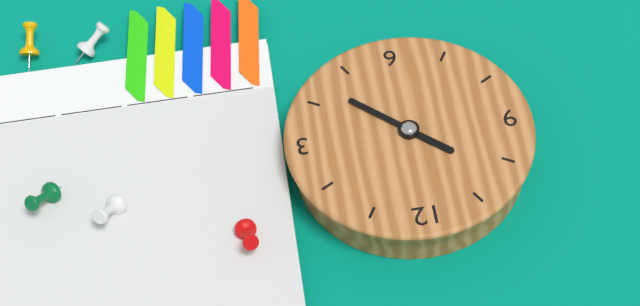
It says 10 h 22 min
